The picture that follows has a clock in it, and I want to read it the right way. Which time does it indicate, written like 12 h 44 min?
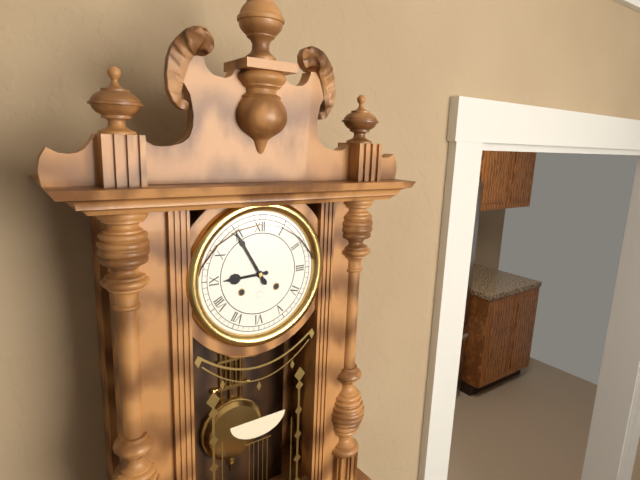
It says 8 h 55 min
